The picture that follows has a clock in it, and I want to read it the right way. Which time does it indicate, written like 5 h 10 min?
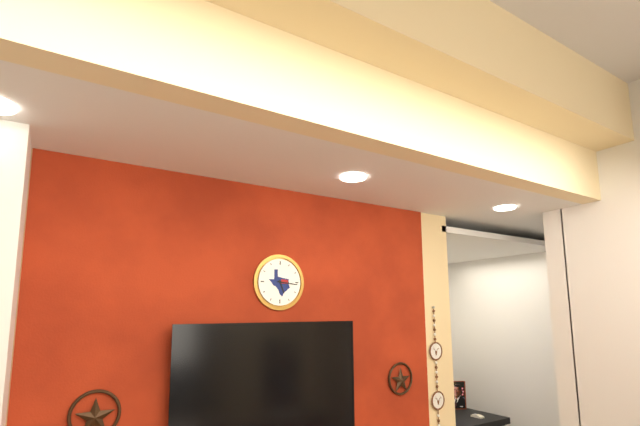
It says 5 h 16 min
